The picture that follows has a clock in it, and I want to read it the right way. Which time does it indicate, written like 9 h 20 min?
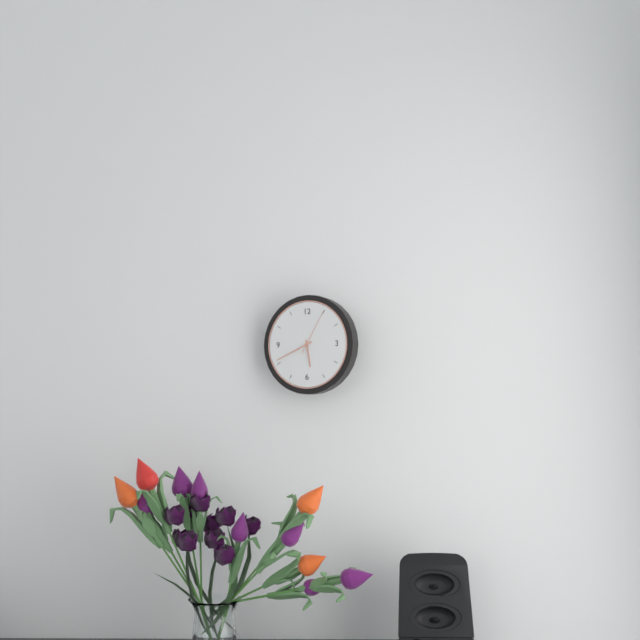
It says 5 h 41 min
